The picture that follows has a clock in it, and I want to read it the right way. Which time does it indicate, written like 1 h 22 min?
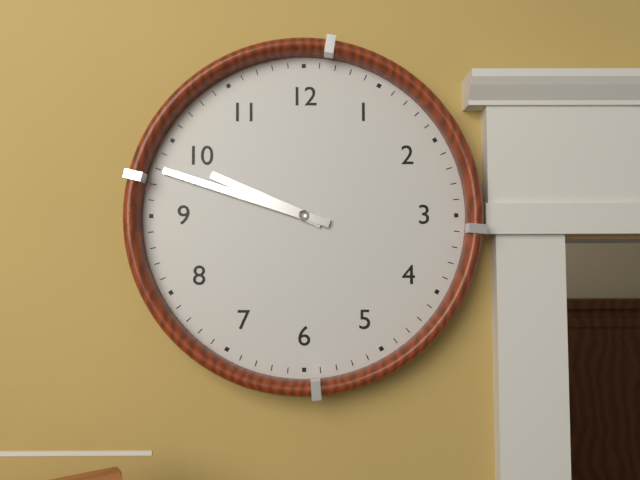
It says 9 h 48 min
